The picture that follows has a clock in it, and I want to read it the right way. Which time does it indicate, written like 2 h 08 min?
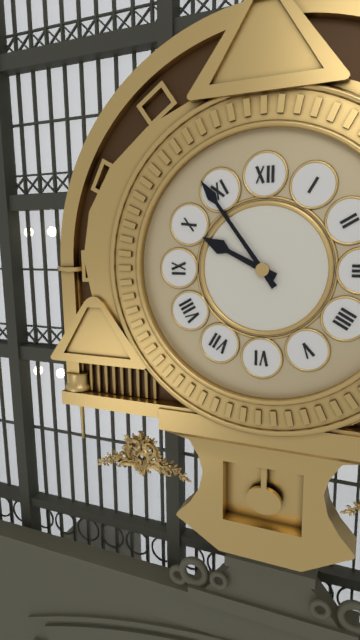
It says 9 h 54 min
